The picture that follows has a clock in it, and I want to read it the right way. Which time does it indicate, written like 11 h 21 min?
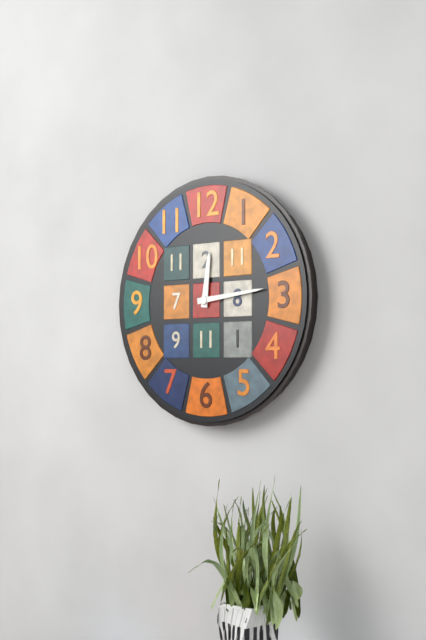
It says 12 h 14 min
